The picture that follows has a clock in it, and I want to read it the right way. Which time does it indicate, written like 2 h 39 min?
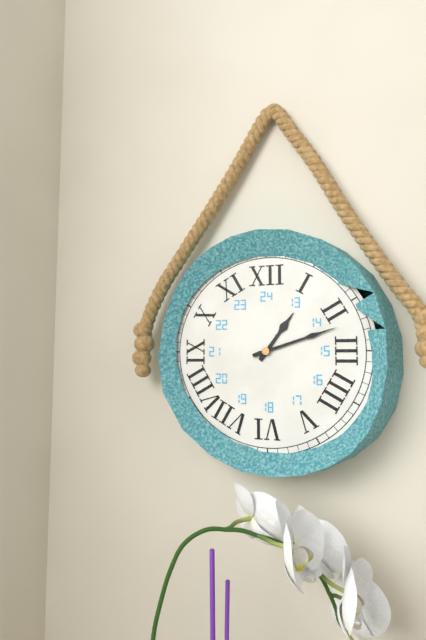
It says 1 h 12 min
